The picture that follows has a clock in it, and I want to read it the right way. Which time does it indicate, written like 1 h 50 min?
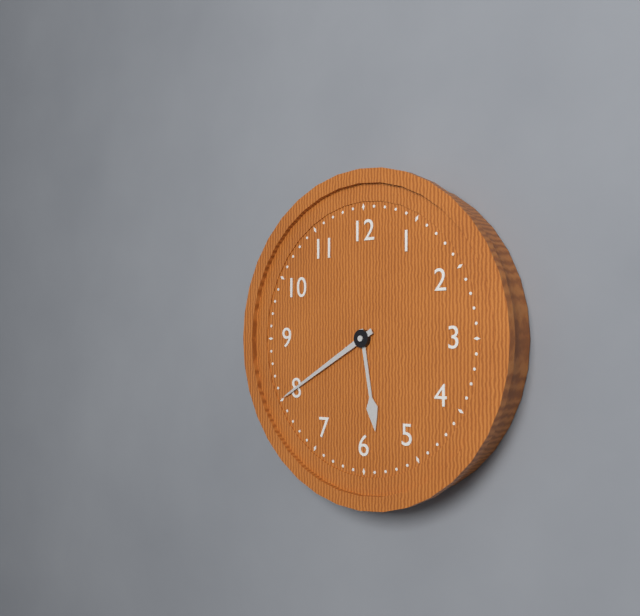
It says 5 h 40 min
